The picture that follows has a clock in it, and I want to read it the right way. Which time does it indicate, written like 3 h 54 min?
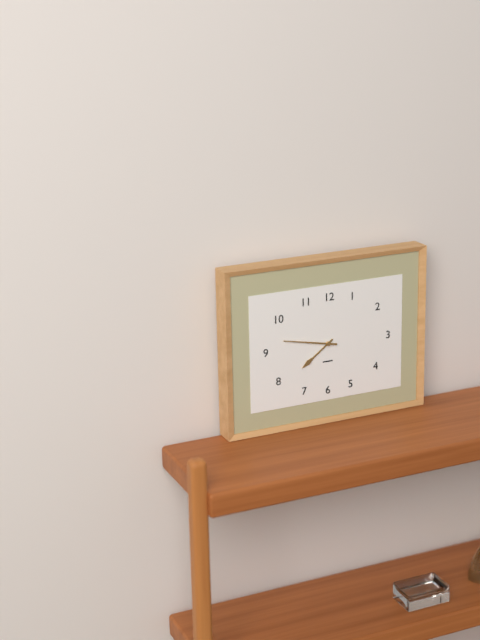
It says 7 h 47 min
